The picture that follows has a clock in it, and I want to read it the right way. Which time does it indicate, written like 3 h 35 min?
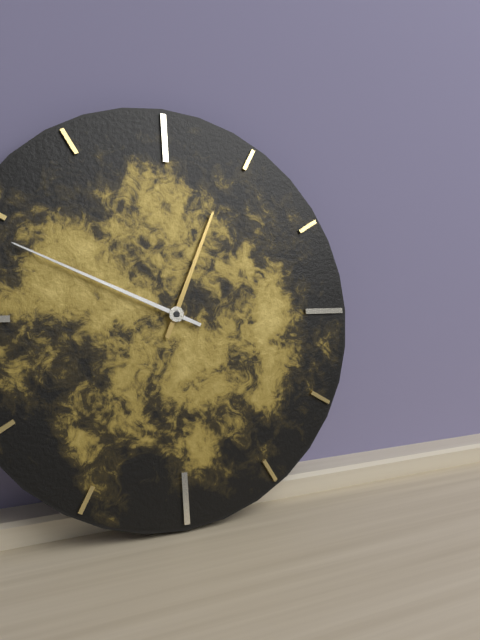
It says 12 h 49 min
